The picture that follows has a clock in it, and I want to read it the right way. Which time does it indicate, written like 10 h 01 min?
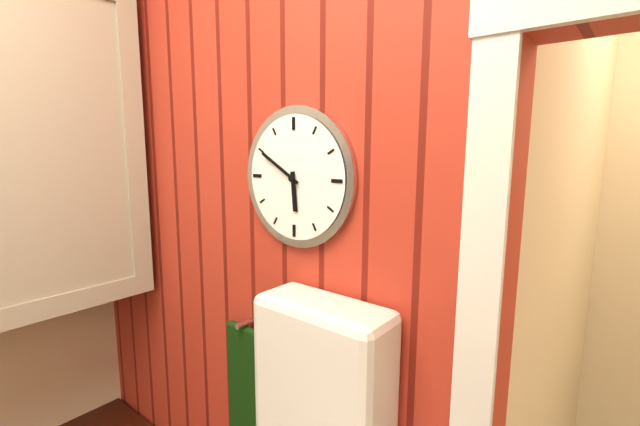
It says 5 h 50 min
